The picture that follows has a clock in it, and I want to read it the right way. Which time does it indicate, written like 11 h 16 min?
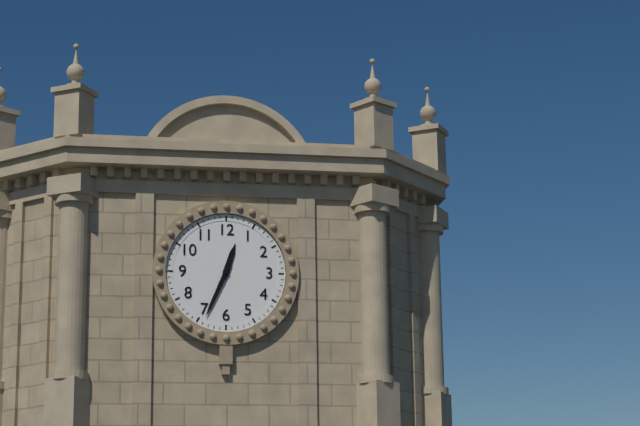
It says 12 h 34 min
